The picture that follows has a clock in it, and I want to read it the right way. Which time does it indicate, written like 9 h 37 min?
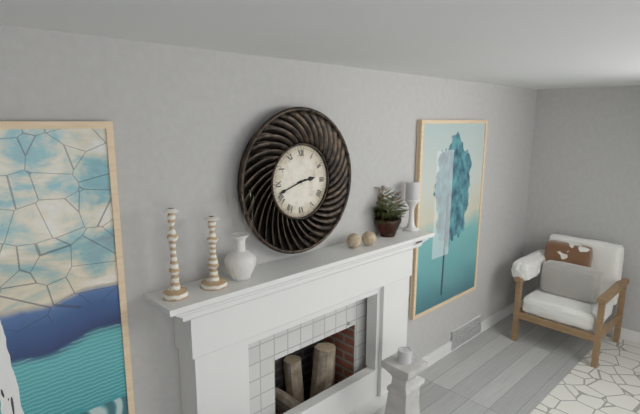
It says 2 h 42 min
